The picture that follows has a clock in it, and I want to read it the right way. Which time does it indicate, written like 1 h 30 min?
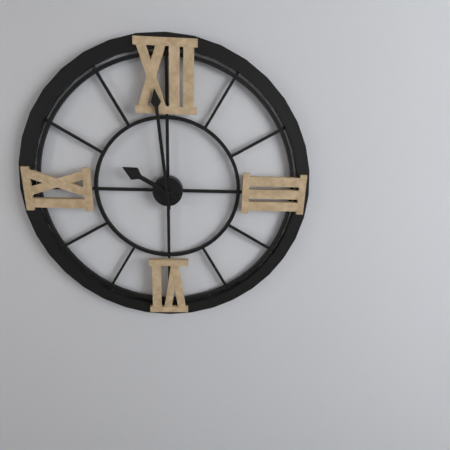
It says 9 h 59 min
